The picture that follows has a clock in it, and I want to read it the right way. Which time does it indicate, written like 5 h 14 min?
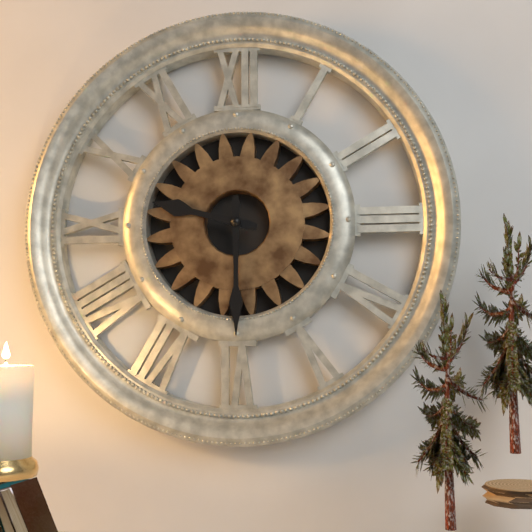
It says 9 h 30 min
